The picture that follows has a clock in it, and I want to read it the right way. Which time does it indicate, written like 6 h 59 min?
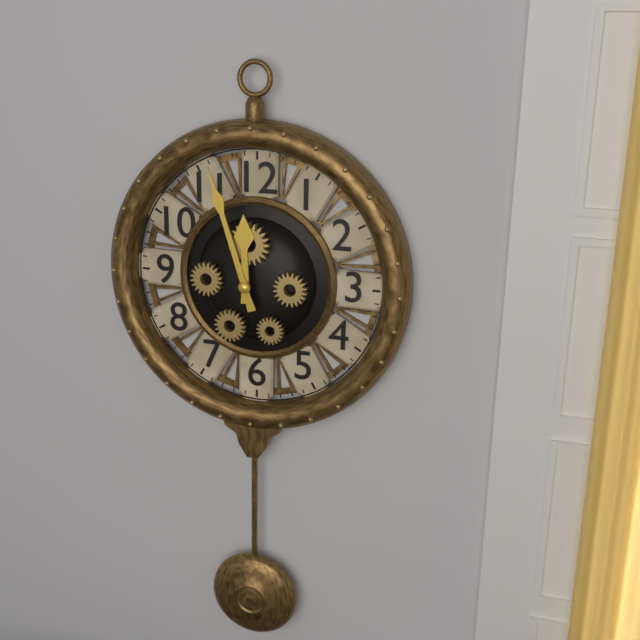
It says 11 h 57 min
